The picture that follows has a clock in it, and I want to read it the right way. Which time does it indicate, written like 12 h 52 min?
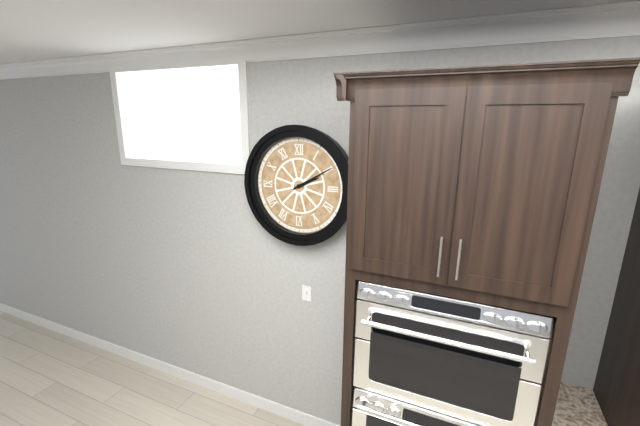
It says 2 h 10 min
